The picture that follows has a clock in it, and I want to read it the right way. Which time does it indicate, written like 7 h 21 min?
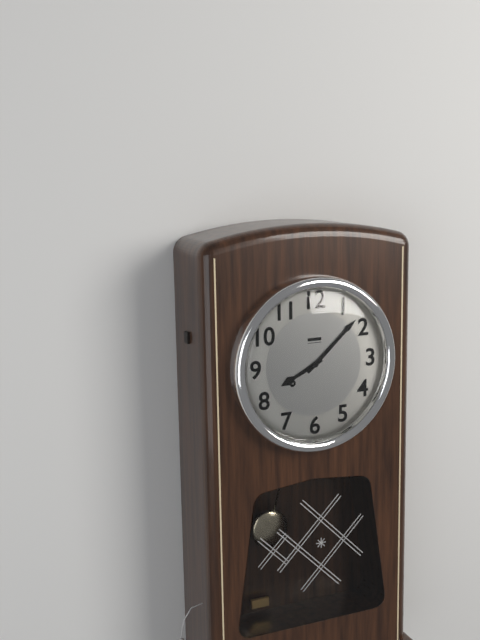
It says 8 h 08 min
